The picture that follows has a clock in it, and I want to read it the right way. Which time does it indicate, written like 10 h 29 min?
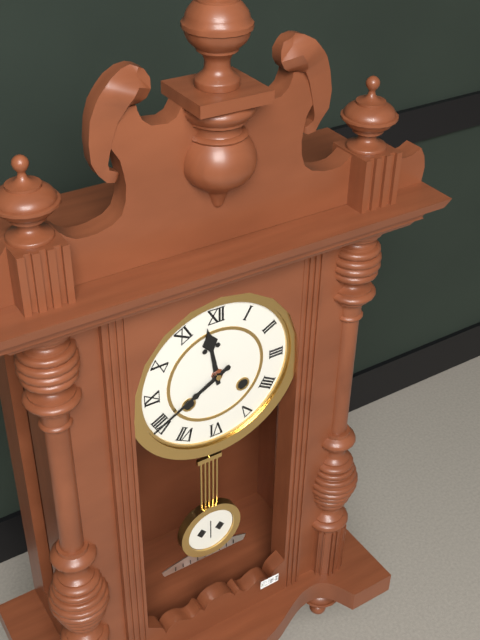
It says 11 h 40 min
